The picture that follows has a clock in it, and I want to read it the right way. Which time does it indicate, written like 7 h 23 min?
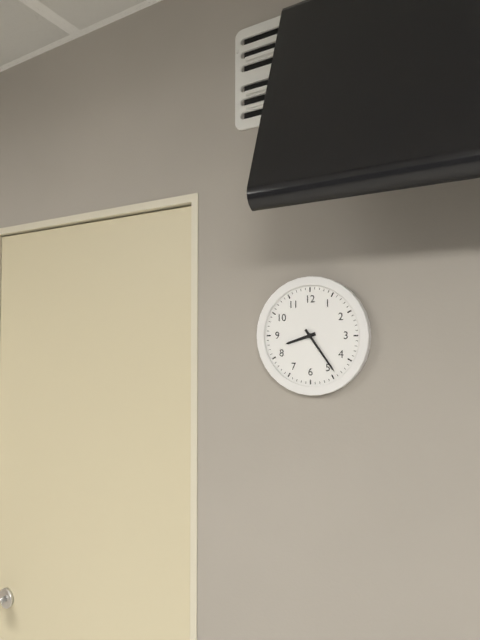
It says 8 h 24 min
